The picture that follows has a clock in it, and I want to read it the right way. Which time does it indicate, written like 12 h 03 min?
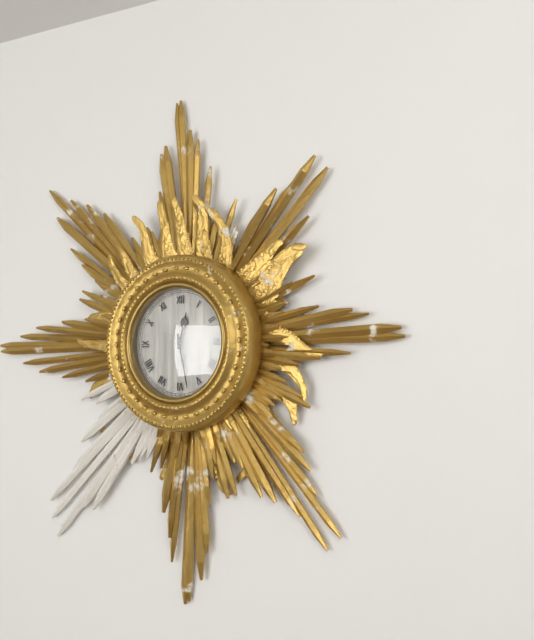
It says 12 h 28 min
